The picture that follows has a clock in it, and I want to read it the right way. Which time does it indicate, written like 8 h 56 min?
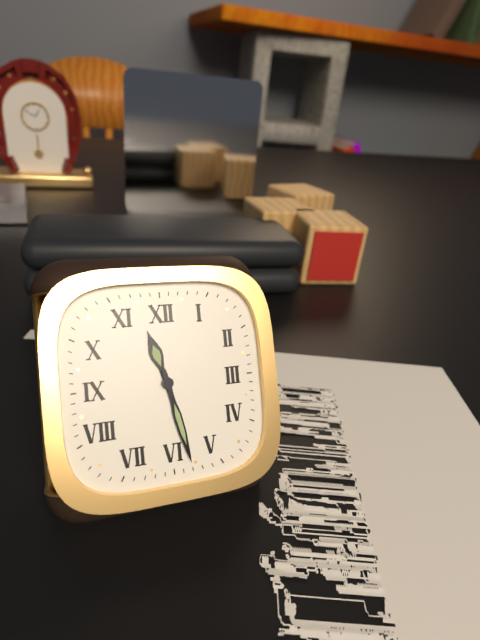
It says 11 h 28 min
